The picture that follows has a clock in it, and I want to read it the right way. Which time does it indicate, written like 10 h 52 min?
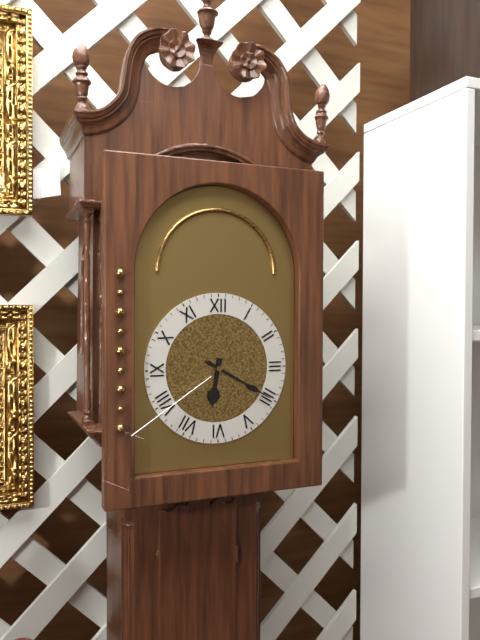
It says 6 h 20 min
